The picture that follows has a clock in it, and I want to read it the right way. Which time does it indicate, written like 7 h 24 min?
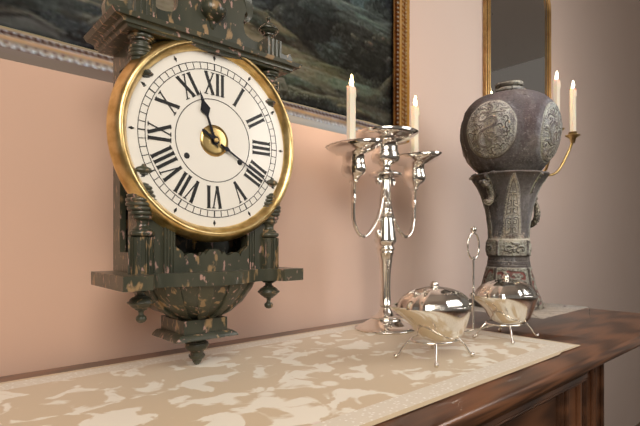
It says 11 h 20 min
